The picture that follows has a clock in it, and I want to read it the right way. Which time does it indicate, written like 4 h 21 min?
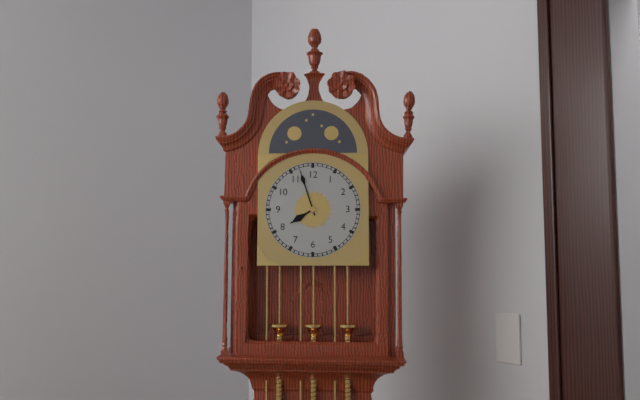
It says 7 h 57 min
